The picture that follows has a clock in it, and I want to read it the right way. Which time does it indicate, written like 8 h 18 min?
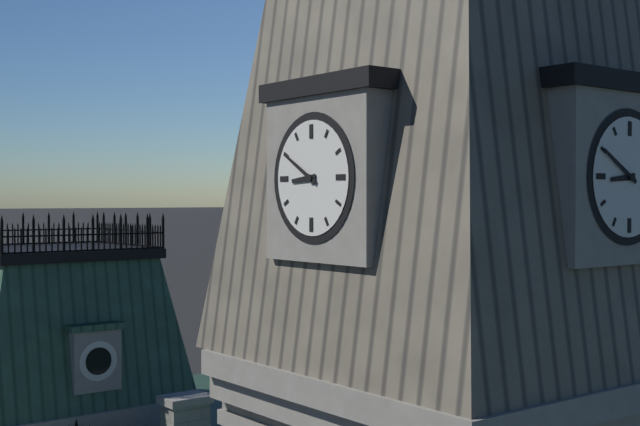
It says 8 h 50 min
